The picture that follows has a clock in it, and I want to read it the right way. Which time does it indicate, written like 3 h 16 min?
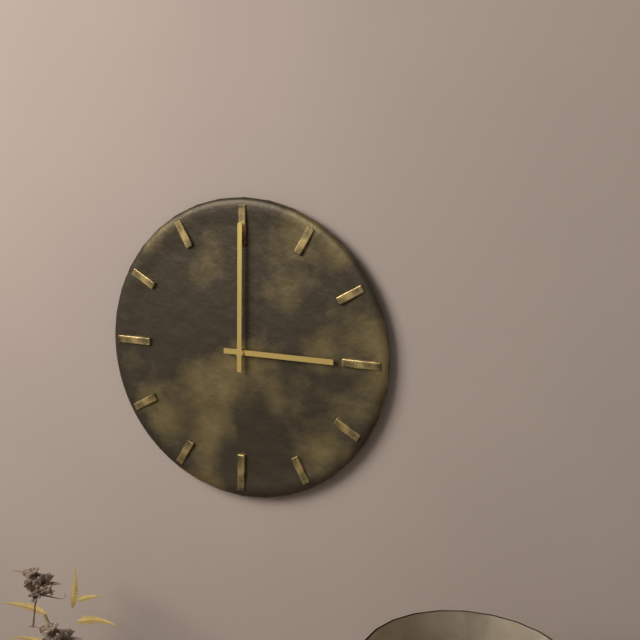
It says 3 h 00 min
